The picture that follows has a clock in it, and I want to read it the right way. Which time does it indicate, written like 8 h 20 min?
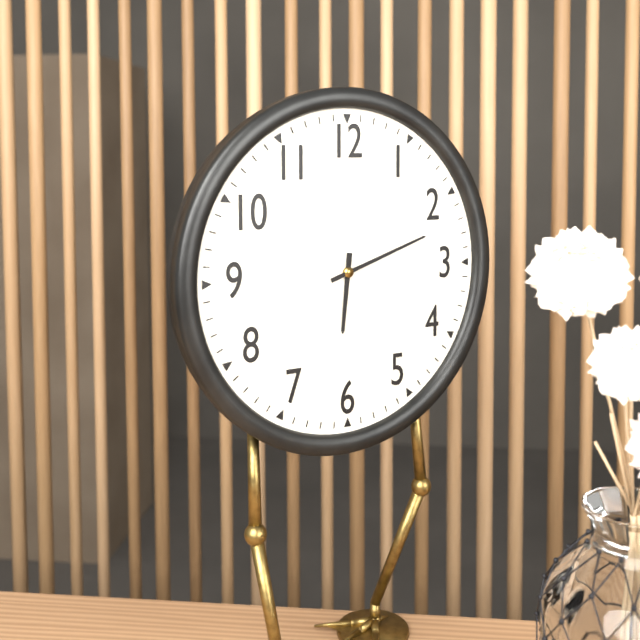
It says 6 h 12 min
